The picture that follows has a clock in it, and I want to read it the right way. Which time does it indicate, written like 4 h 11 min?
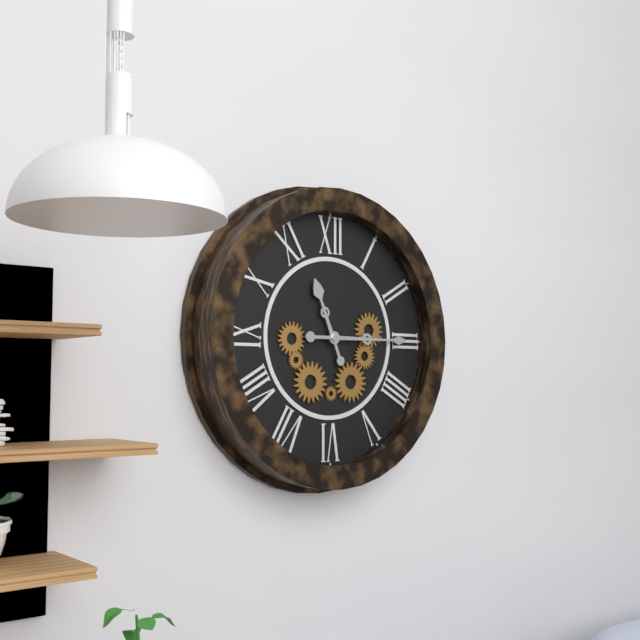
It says 11 h 15 min
